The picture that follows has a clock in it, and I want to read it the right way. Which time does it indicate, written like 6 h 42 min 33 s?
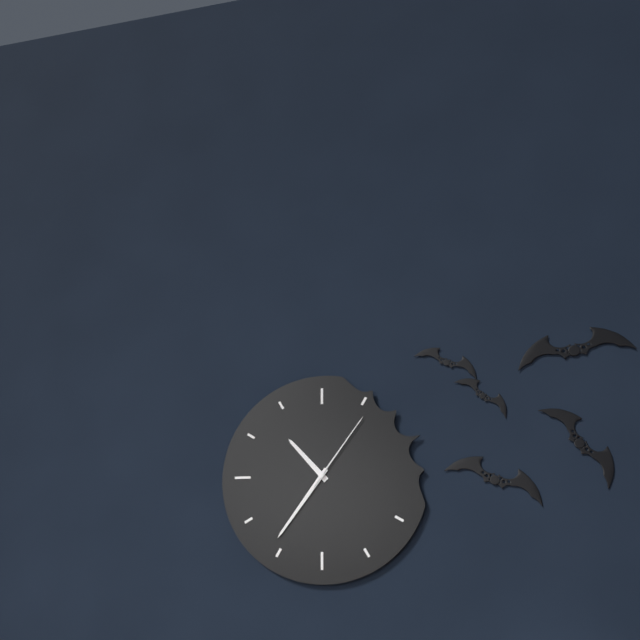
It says 10 h 36 min 06 s
